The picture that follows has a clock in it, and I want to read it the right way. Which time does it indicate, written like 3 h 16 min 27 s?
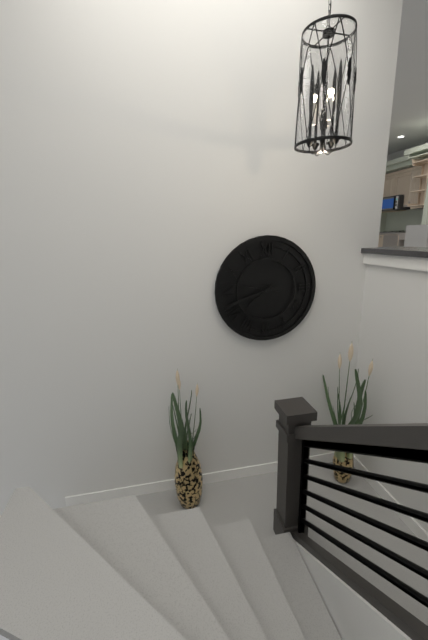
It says 7 h 42 min 47 s
